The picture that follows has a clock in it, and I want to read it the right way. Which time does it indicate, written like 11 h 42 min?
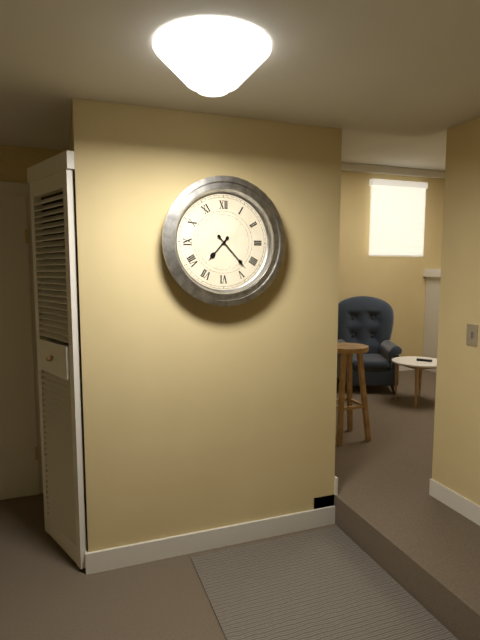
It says 7 h 23 min
